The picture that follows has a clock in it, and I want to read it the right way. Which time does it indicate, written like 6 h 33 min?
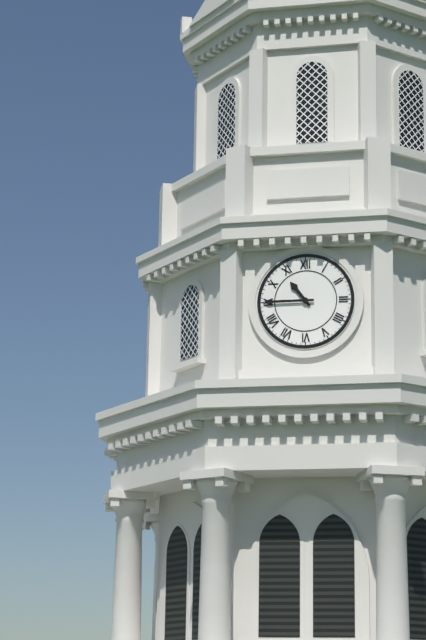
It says 10 h 45 min
